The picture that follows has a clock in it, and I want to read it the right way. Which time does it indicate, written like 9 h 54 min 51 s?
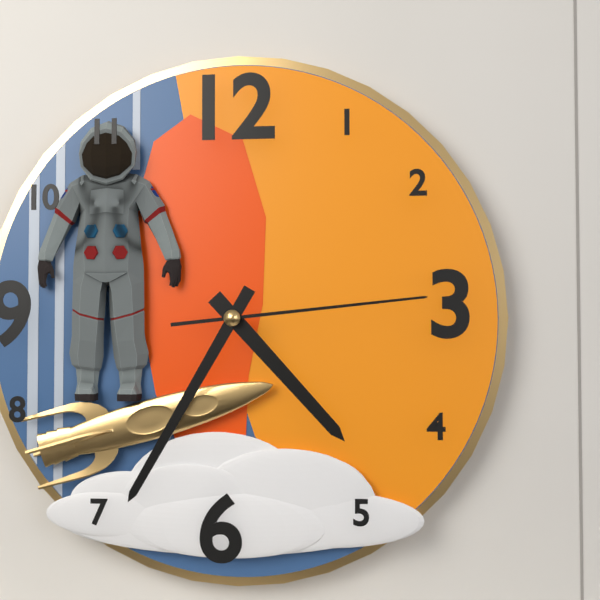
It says 4 h 35 min 14 s
